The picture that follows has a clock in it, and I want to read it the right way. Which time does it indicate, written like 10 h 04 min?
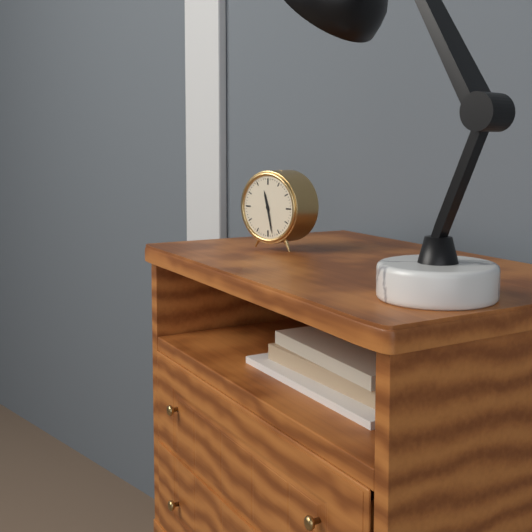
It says 11 h 28 min
